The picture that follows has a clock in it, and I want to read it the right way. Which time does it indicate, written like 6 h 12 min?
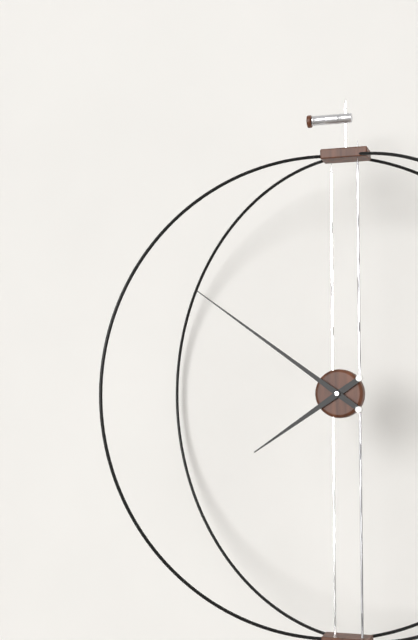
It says 7 h 51 min
